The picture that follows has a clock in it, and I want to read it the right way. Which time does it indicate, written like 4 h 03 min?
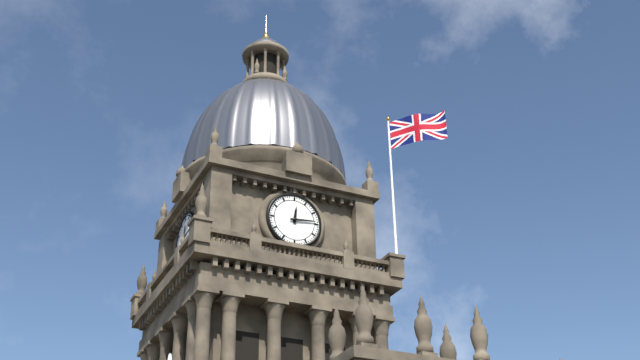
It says 12 h 14 min
